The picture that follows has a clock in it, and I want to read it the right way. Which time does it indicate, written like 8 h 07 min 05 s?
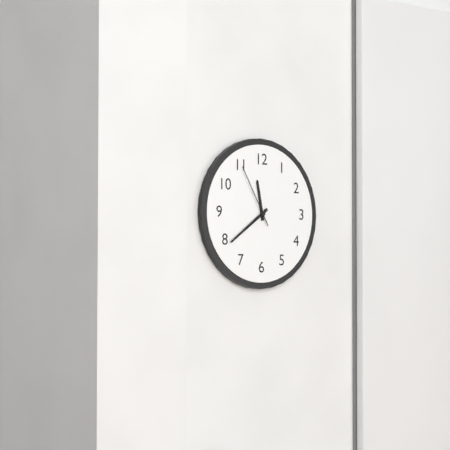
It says 11 h 39 min 55 s
